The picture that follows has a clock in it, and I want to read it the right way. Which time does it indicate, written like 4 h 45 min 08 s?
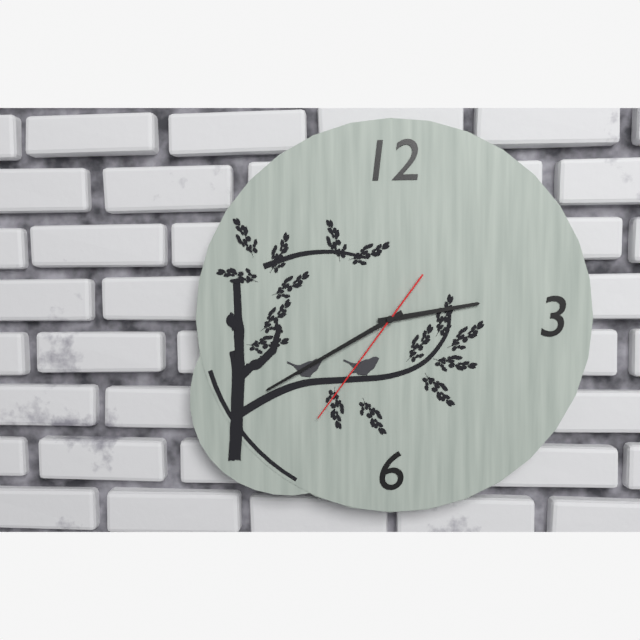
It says 2 h 40 min 36 s
